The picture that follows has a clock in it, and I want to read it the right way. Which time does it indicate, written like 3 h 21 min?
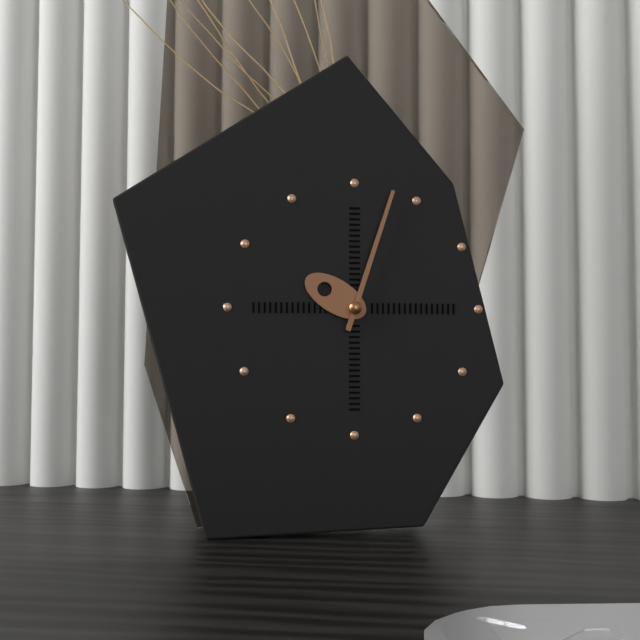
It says 10 h 03 min
